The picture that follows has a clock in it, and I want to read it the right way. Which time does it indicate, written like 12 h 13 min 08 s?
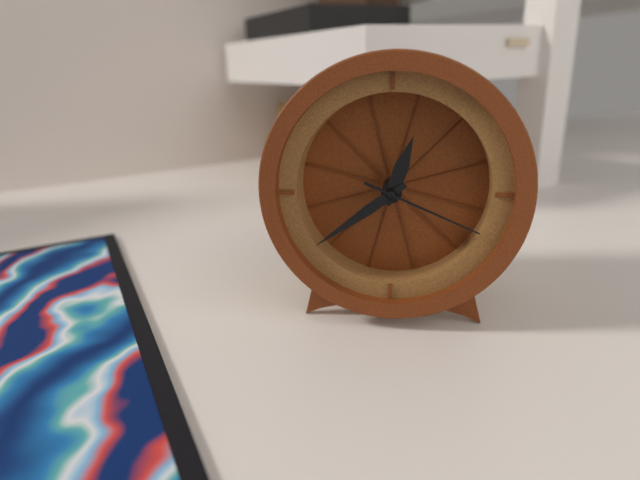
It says 12 h 39 min 19 s
